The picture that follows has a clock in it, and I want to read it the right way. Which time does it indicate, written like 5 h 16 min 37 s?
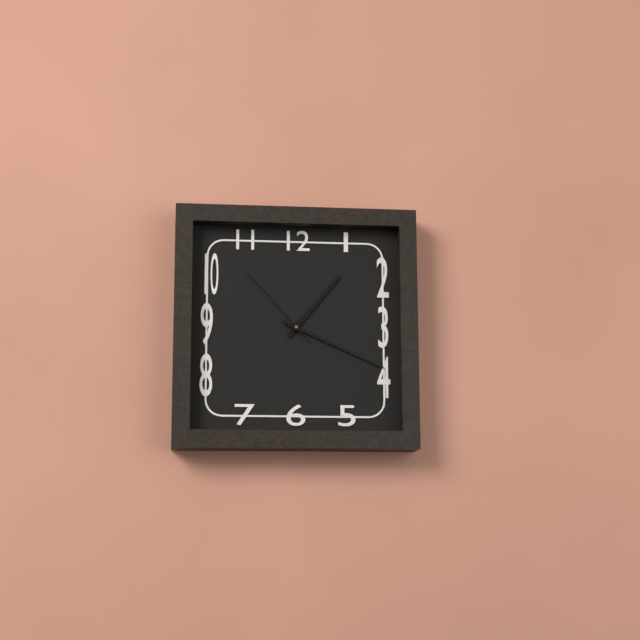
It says 1 h 19 min 53 s
